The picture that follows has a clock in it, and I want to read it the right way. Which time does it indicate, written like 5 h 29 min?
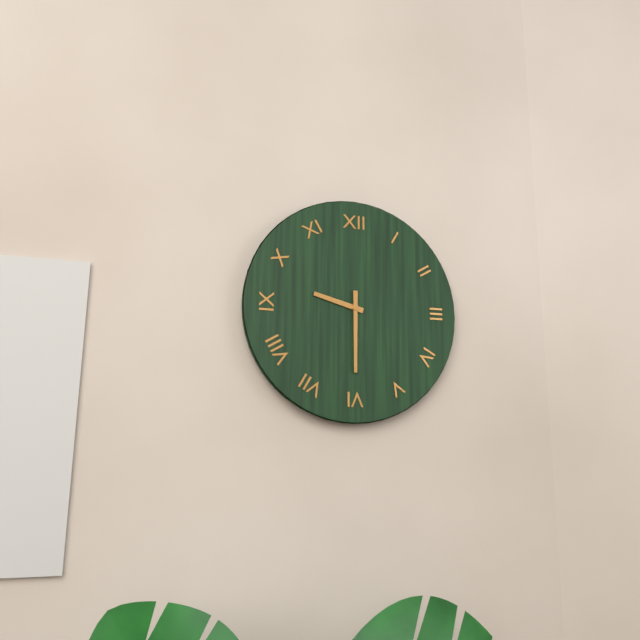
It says 9 h 30 min
